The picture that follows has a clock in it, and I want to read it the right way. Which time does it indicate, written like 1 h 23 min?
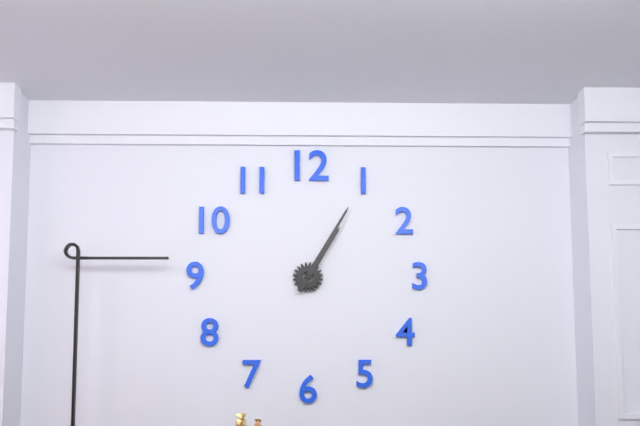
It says 1 h 05 min
